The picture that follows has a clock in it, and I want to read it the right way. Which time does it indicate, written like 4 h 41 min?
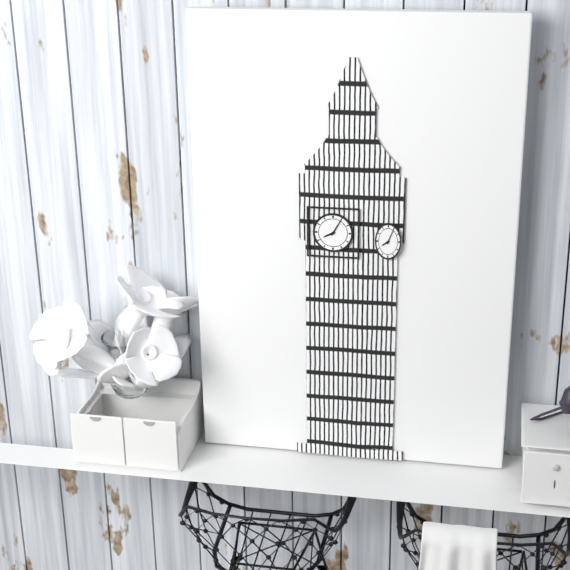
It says 8 h 05 min
